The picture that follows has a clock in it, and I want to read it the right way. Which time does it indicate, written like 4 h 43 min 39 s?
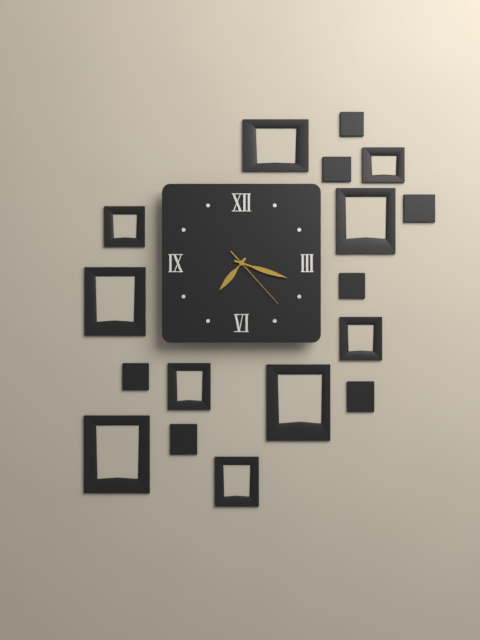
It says 7 h 18 min 23 s
